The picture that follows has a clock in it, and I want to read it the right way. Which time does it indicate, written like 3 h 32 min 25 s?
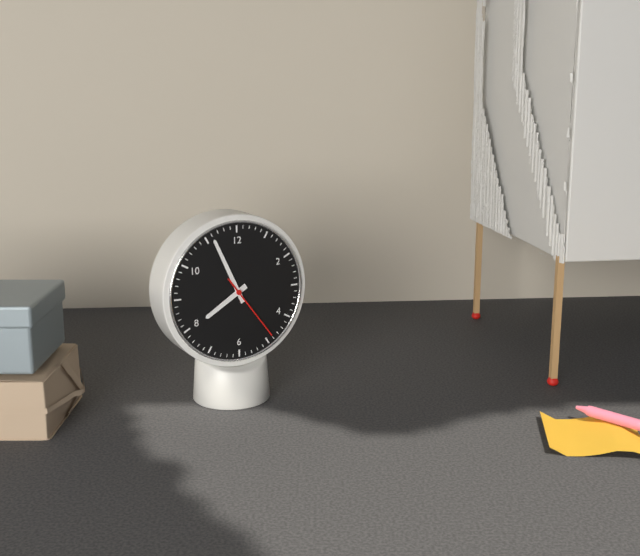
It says 7 h 56 min 24 s
